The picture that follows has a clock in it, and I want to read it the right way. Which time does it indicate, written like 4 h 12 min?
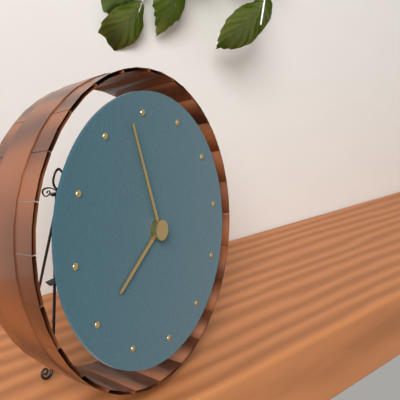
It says 7 h 58 min
